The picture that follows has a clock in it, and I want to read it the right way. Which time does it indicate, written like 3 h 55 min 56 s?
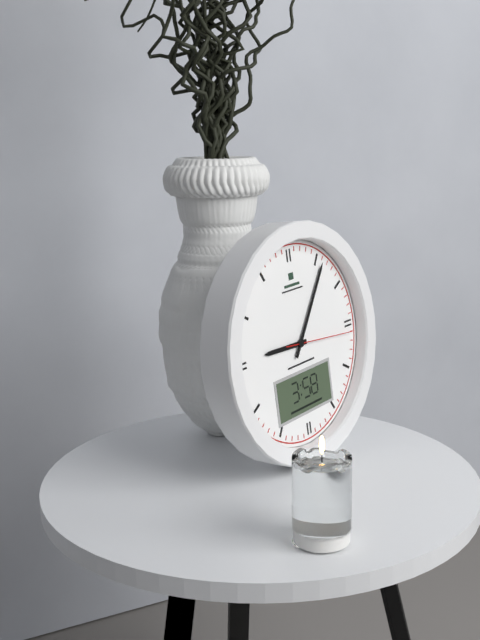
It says 9 h 06 min 16 s
